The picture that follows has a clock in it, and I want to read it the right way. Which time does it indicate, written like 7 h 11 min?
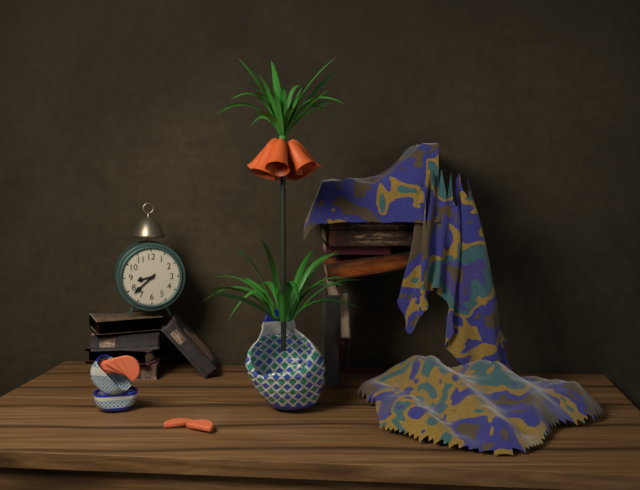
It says 8 h 38 min
